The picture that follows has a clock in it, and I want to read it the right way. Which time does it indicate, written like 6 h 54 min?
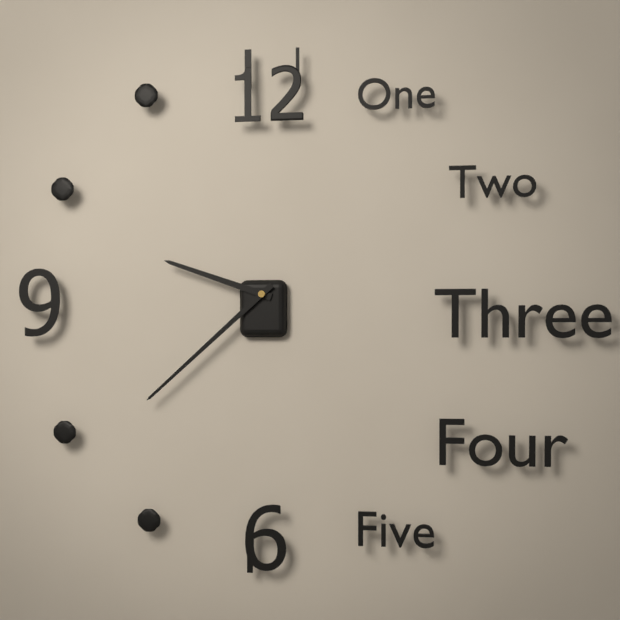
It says 9 h 38 min
